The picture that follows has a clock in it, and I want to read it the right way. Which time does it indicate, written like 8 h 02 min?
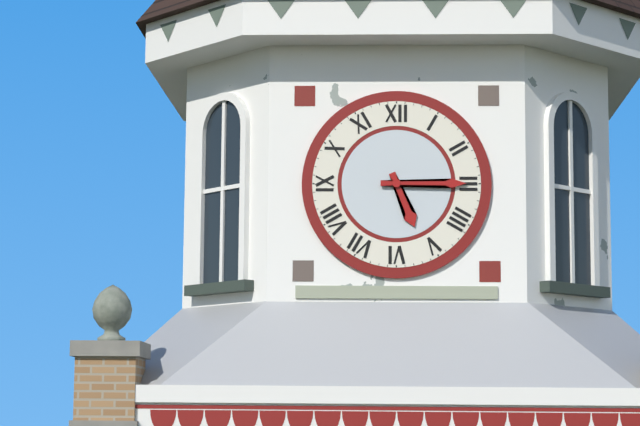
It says 5 h 15 min
